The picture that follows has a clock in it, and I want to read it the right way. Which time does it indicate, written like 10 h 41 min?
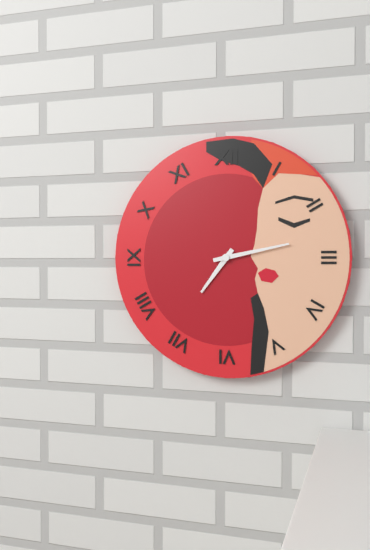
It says 7 h 13 min
